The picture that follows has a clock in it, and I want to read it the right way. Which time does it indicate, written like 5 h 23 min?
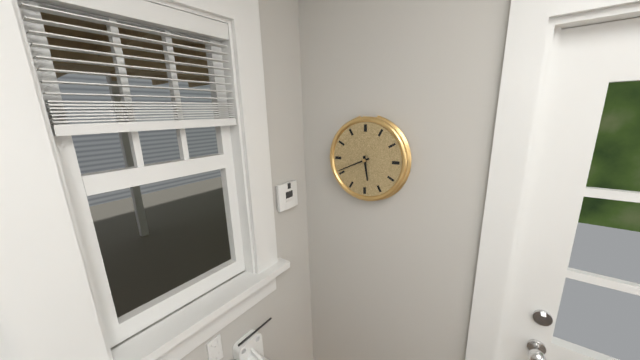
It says 5 h 41 min
